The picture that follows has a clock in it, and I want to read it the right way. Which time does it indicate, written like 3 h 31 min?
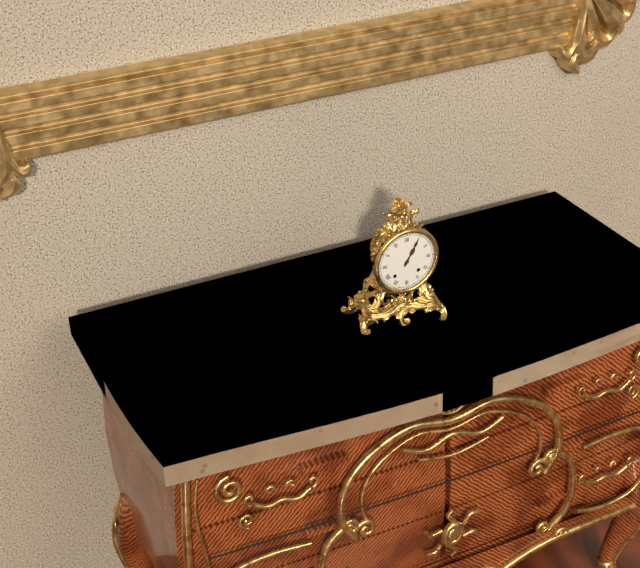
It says 1 h 05 min
